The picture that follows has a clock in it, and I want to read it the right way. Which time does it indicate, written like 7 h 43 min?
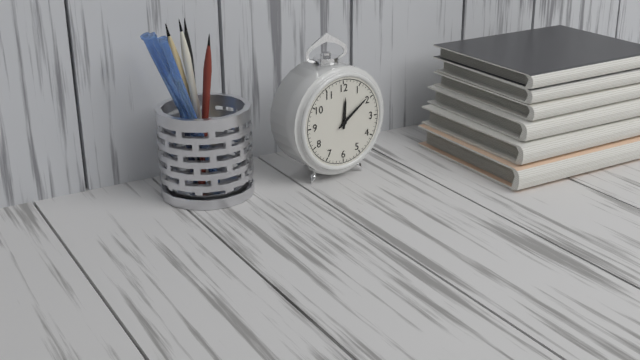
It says 12 h 09 min
